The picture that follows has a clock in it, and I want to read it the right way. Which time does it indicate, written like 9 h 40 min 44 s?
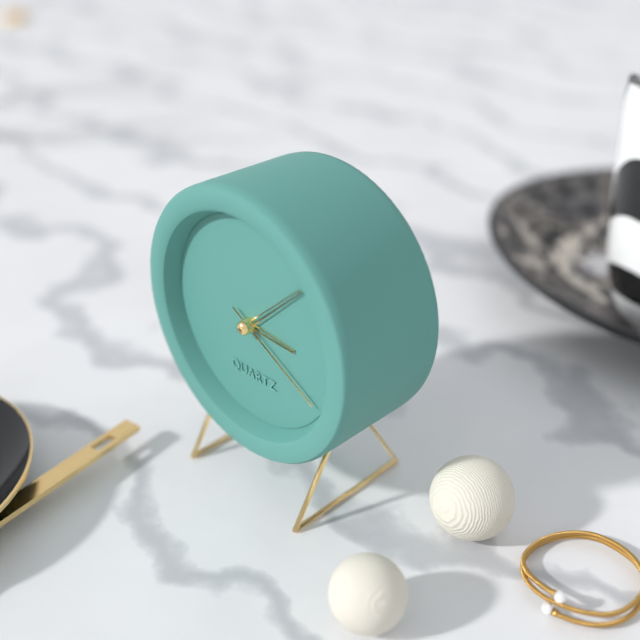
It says 3 h 08 min 20 s
